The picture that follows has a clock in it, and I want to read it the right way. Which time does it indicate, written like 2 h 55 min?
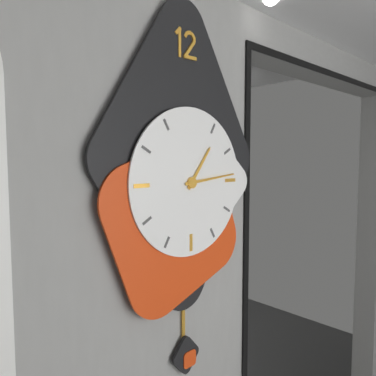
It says 1 h 14 min
